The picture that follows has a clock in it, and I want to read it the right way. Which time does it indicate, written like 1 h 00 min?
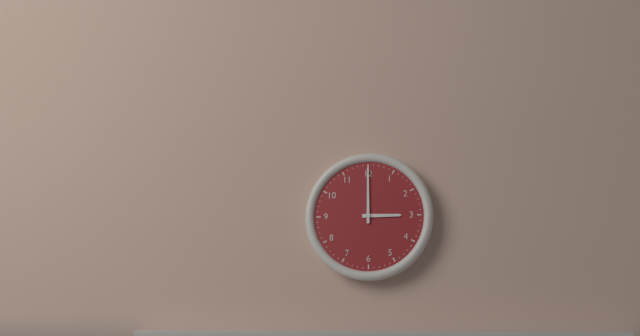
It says 3 h 00 min
